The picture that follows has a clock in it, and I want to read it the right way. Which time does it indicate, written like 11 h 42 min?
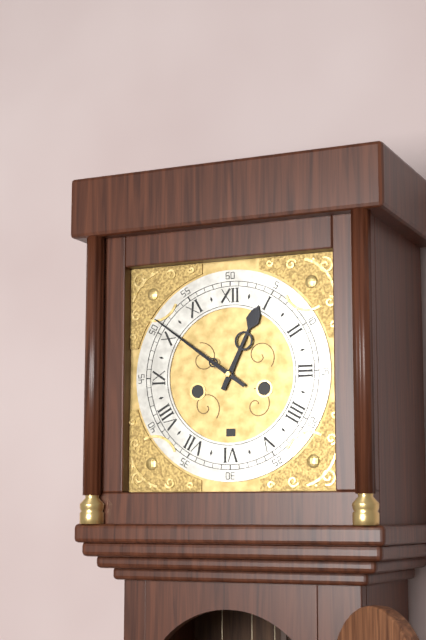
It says 12 h 51 min
